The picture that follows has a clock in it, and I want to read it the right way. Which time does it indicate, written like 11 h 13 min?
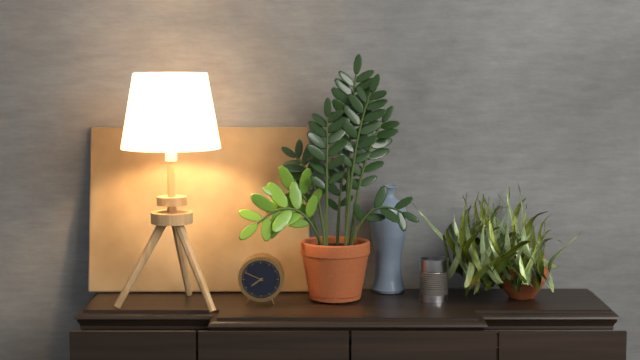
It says 7 h 49 min
